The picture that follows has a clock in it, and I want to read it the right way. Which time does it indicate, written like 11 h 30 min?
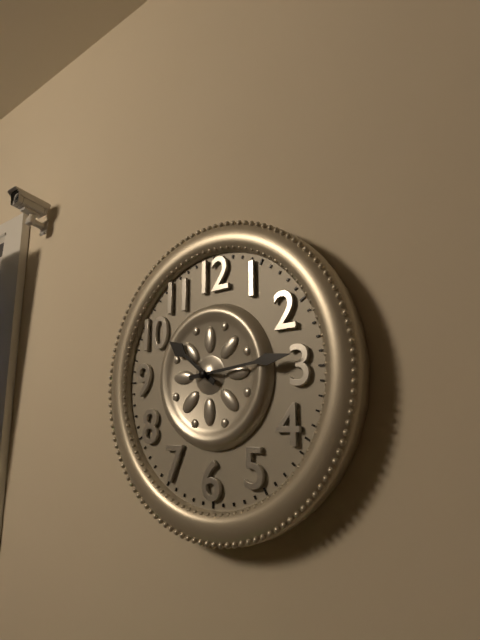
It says 10 h 14 min
